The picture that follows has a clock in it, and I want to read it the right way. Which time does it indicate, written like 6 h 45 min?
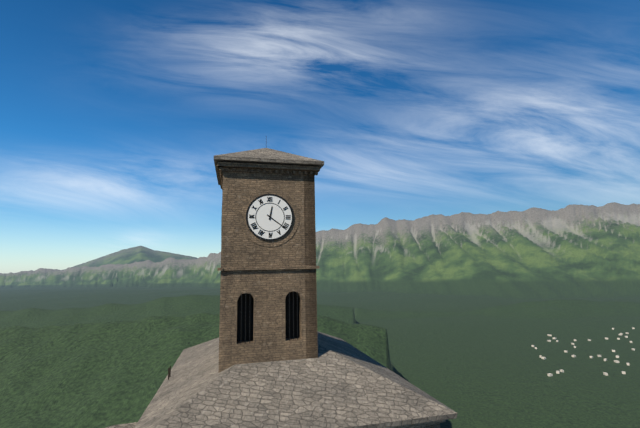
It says 12 h 21 min
